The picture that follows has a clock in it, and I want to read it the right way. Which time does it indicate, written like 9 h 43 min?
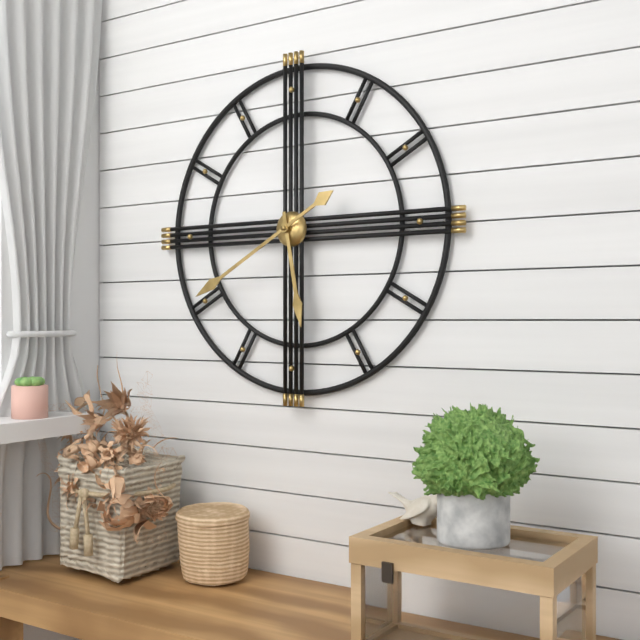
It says 5 h 40 min
